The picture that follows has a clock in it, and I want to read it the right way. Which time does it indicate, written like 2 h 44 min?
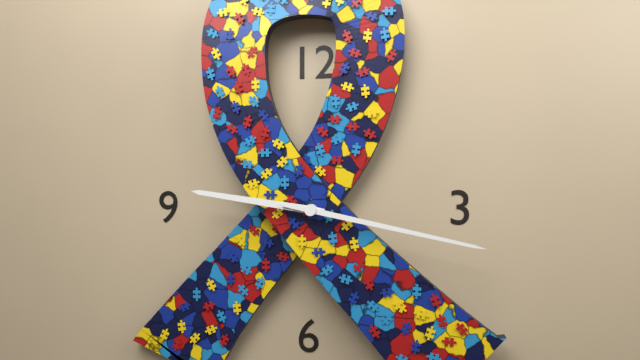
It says 9 h 17 min
